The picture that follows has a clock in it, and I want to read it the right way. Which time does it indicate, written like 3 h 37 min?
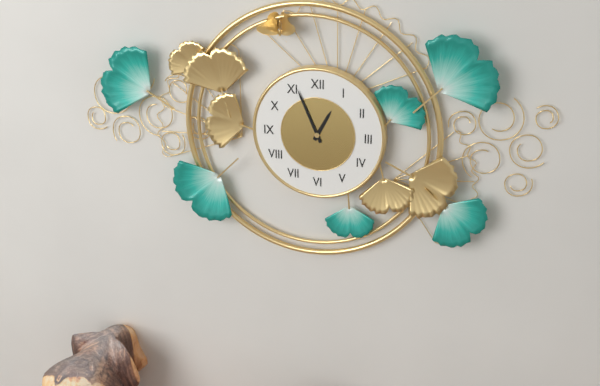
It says 12 h 56 min
